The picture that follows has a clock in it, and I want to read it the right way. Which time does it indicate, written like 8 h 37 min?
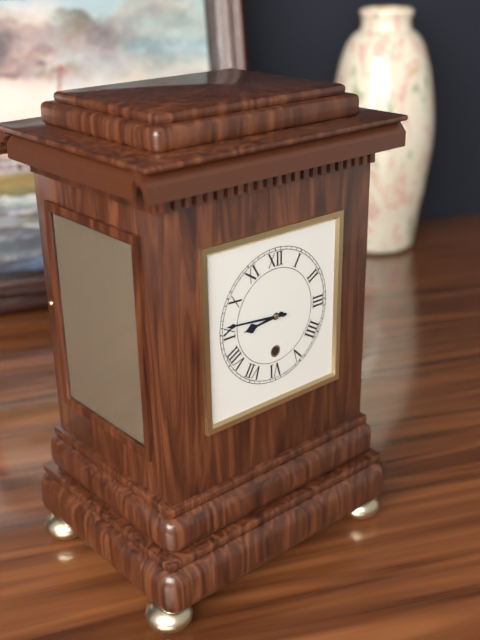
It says 8 h 46 min
